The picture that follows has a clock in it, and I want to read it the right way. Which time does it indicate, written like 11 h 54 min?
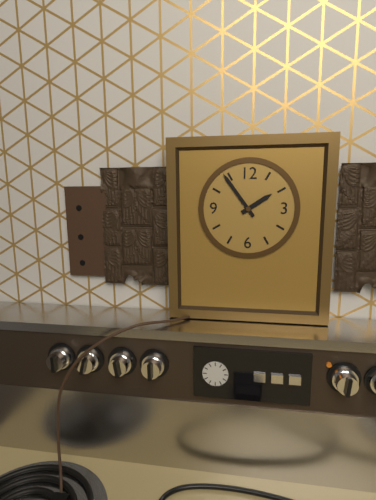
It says 1 h 54 min
